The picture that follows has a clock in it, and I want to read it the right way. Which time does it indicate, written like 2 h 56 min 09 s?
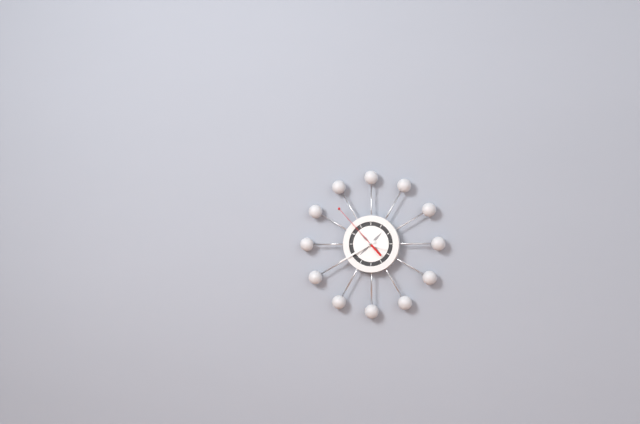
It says 3 h 40 min 53 s
